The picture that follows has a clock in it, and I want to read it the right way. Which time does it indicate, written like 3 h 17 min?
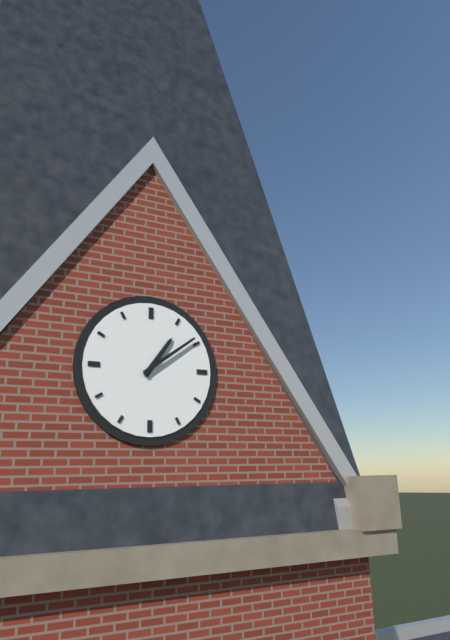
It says 1 h 09 min
